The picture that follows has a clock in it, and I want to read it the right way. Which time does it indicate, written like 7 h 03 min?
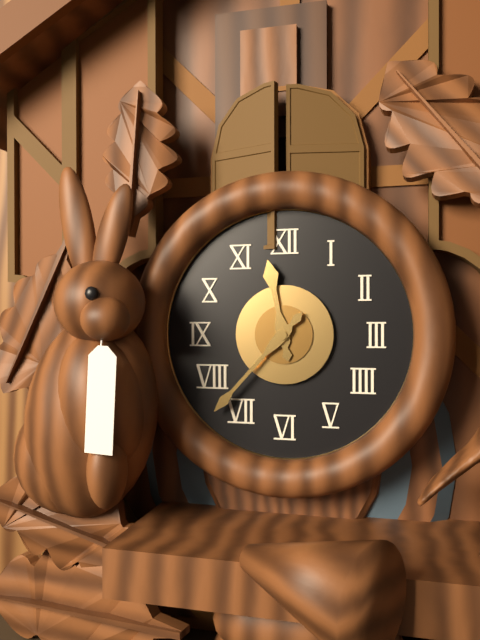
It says 11 h 37 min
